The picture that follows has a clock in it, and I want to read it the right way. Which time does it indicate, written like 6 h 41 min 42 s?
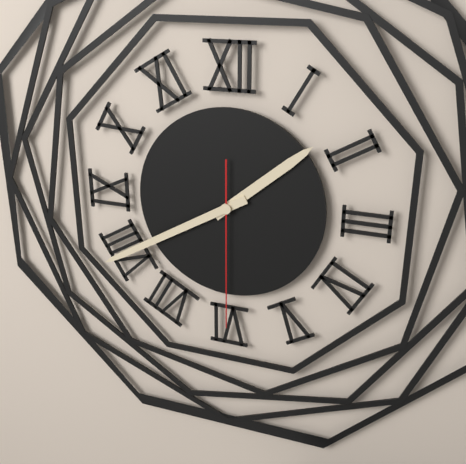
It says 1 h 40 min 30 s
